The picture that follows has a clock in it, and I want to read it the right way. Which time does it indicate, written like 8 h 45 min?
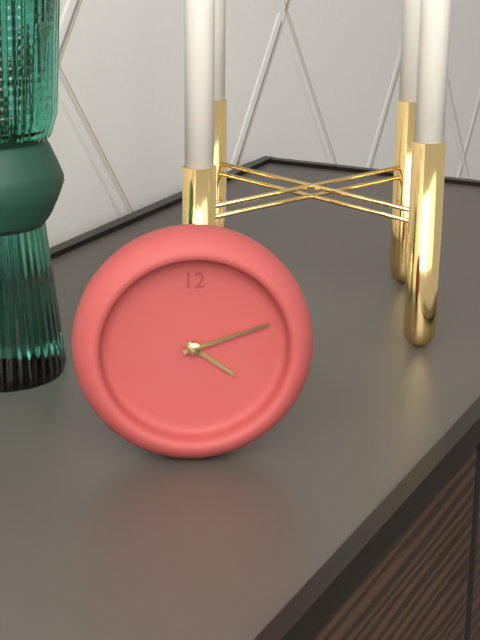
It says 4 h 12 min
